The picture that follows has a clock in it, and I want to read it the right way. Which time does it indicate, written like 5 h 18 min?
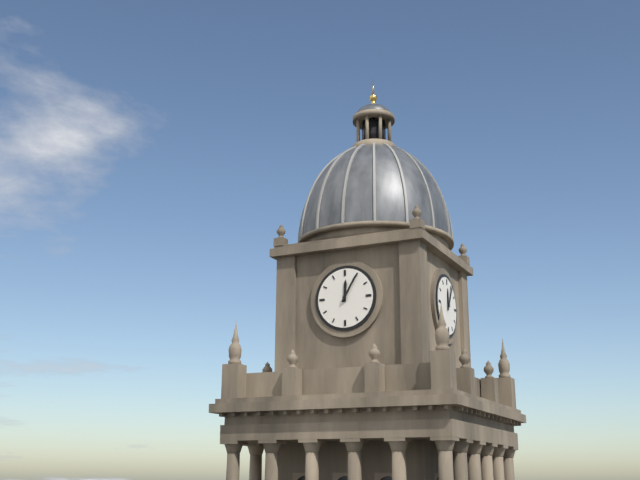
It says 12 h 05 min
